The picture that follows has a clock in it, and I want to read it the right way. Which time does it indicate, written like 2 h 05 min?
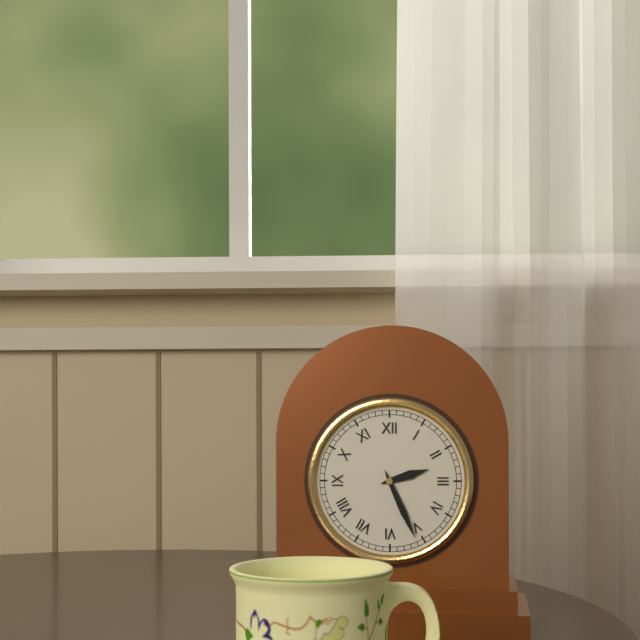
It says 2 h 26 min
